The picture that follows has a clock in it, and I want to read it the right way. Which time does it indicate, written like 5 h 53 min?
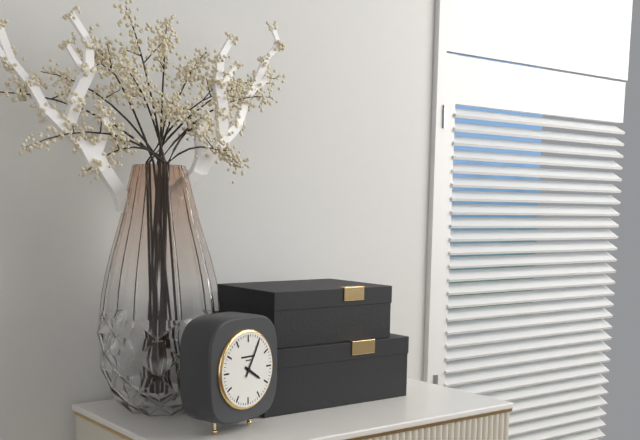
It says 4 h 05 min
